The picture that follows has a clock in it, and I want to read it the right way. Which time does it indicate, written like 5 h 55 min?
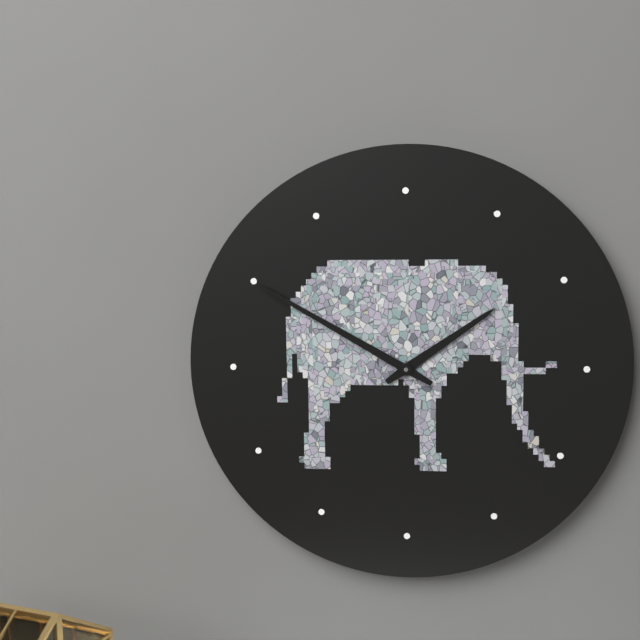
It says 1 h 50 min
